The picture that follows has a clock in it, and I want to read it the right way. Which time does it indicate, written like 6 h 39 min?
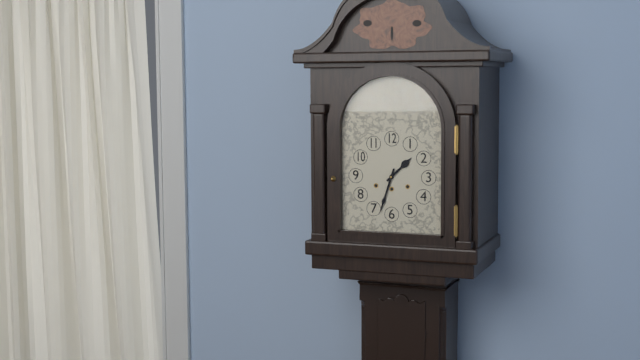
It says 1 h 33 min
